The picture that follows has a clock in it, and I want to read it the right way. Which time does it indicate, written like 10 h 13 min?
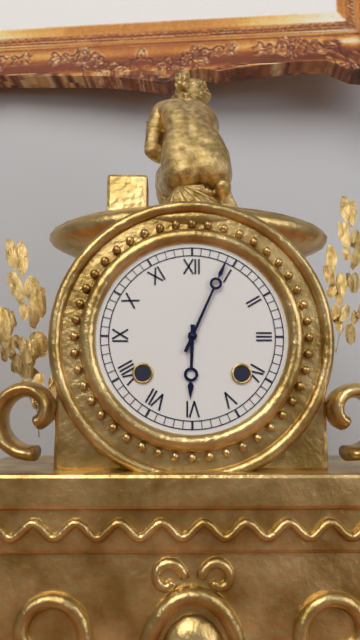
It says 6 h 04 min
